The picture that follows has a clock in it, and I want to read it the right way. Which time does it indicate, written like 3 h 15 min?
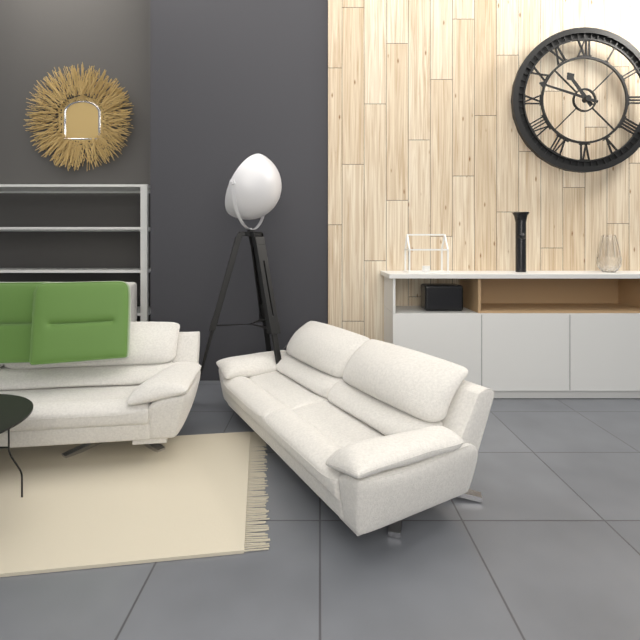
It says 10 h 48 min
